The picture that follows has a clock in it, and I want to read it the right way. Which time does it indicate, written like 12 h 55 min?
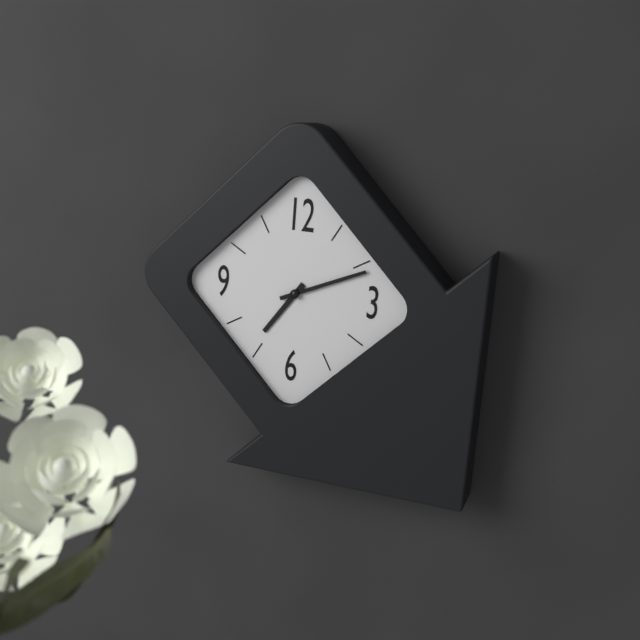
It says 7 h 11 min
